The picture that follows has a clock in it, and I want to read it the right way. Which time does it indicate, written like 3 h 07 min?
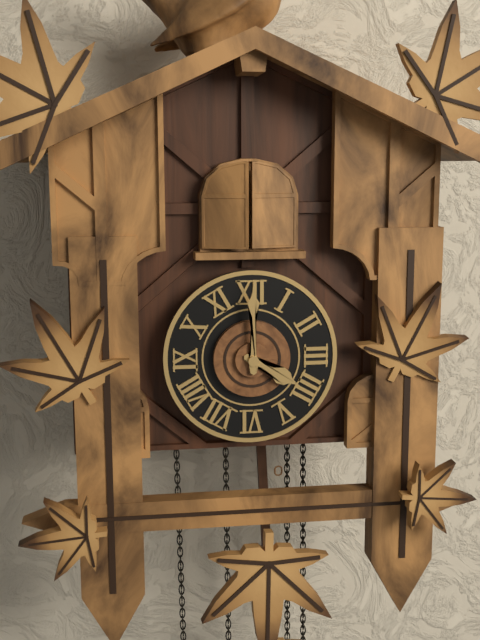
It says 4 h 00 min
